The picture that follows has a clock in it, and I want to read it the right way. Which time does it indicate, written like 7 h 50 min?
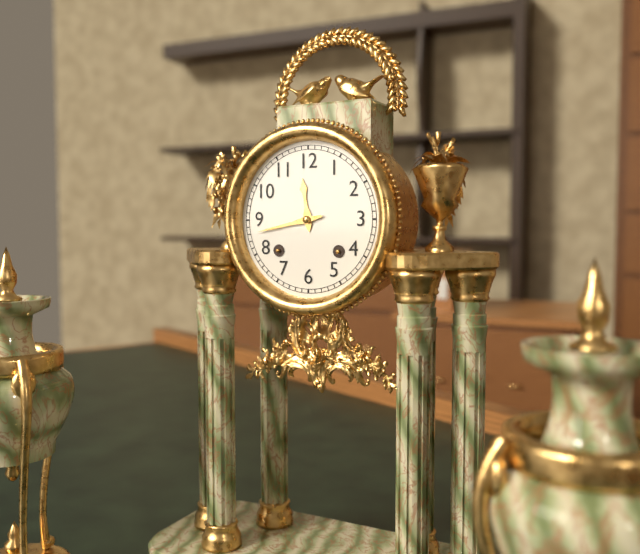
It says 11 h 43 min
